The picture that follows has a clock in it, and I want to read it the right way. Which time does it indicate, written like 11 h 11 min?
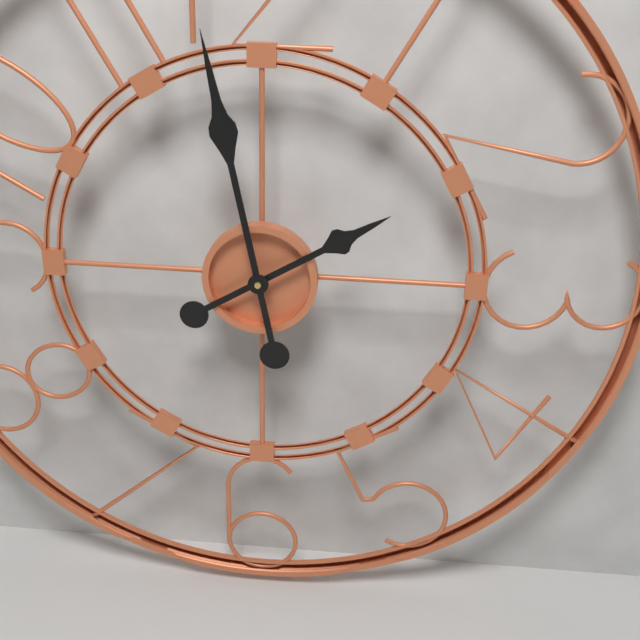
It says 1 h 58 min
